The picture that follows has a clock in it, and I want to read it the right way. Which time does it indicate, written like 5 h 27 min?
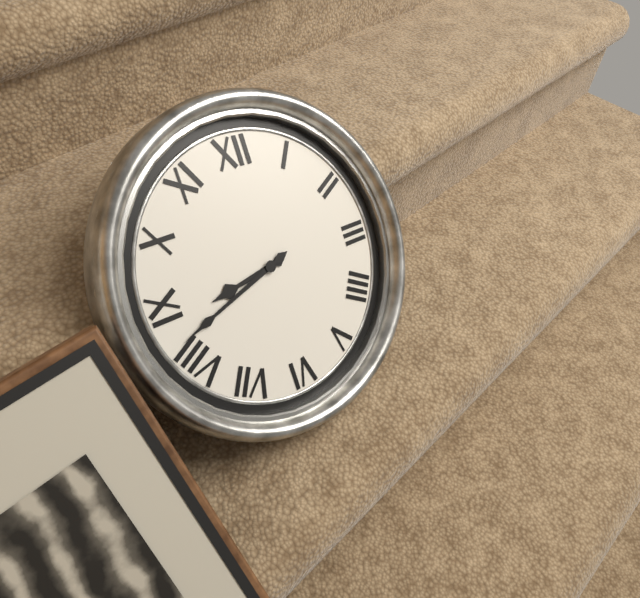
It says 8 h 42 min
